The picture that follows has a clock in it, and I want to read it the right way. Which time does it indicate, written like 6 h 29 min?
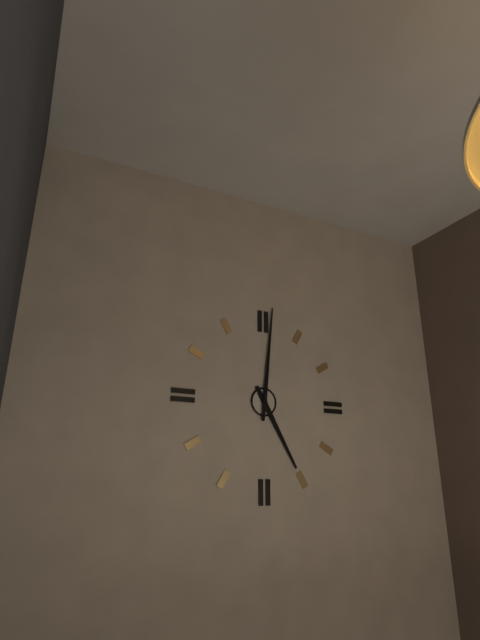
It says 5 h 01 min
